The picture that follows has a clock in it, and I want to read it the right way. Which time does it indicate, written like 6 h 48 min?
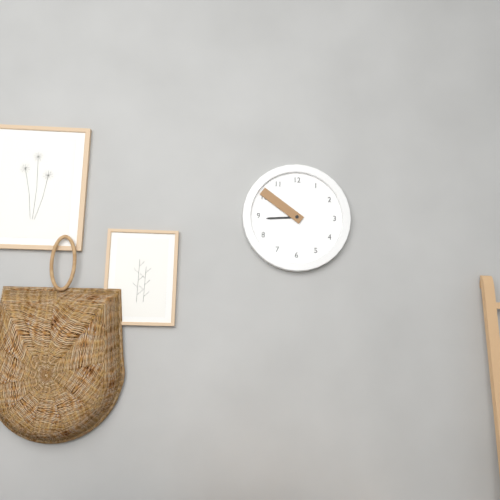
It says 8 h 51 min
